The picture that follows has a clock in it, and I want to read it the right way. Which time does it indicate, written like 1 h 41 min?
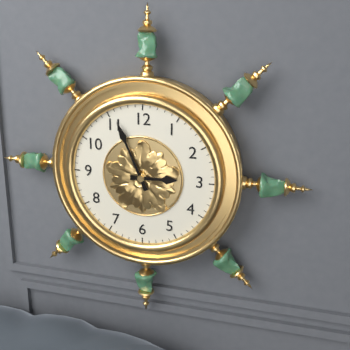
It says 2 h 56 min
